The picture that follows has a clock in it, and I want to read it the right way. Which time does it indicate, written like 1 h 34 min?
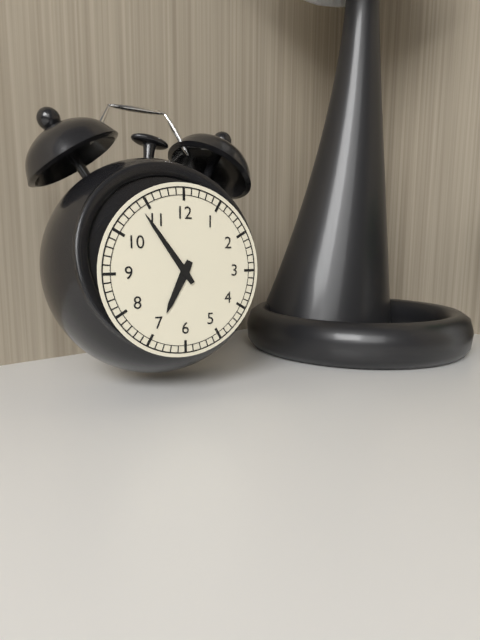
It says 6 h 54 min
